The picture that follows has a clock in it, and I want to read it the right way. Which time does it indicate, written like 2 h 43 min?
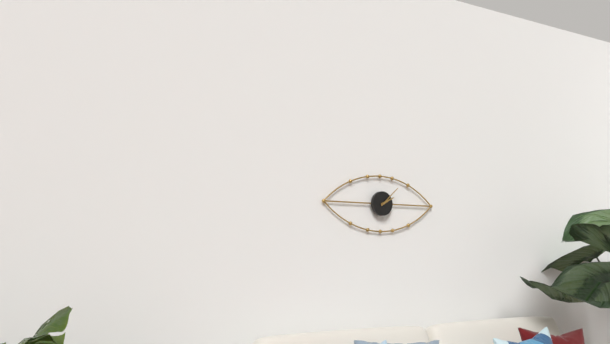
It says 2 h 08 min
